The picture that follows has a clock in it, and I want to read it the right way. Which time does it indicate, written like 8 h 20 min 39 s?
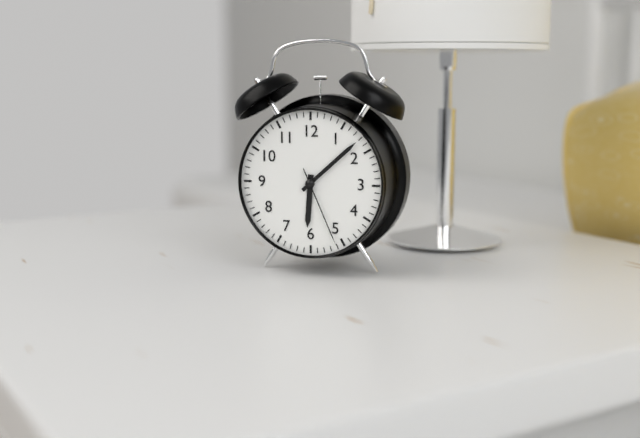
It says 6 h 08 min 26 s
